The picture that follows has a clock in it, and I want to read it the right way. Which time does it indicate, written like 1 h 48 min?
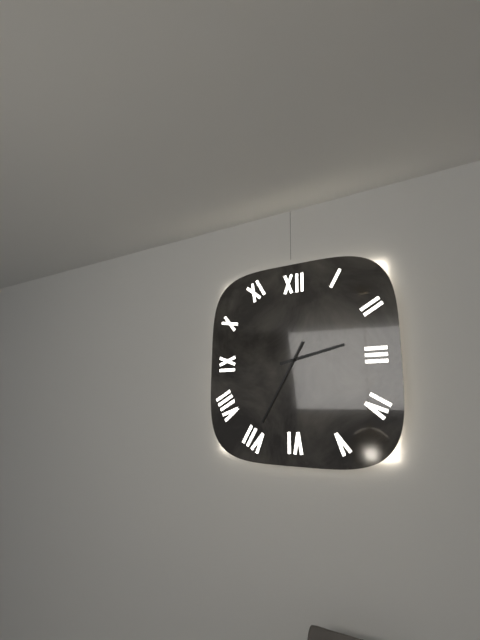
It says 2 h 35 min
